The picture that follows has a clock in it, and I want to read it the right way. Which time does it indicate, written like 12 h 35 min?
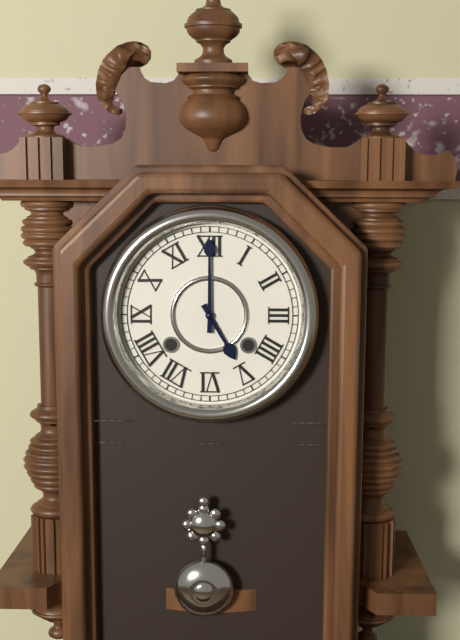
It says 5 h 00 min
